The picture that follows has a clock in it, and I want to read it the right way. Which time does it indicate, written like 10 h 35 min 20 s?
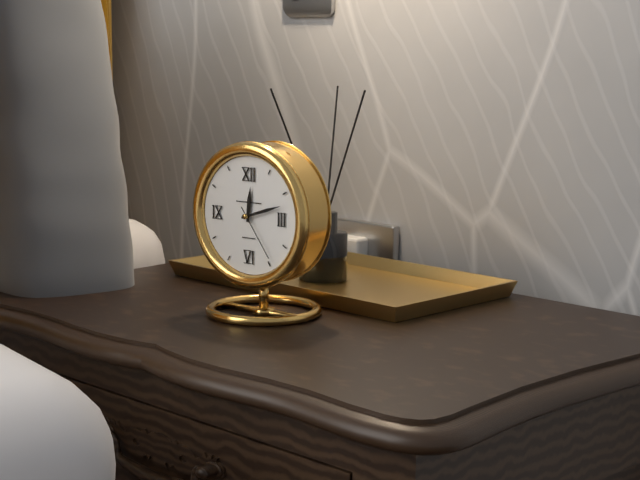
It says 12 h 12 min 24 s
